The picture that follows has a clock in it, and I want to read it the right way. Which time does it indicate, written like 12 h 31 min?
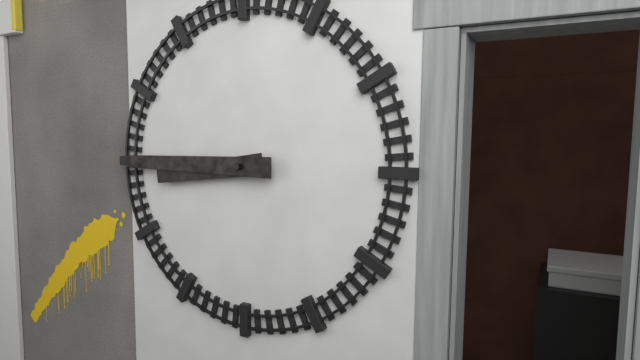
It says 8 h 45 min
